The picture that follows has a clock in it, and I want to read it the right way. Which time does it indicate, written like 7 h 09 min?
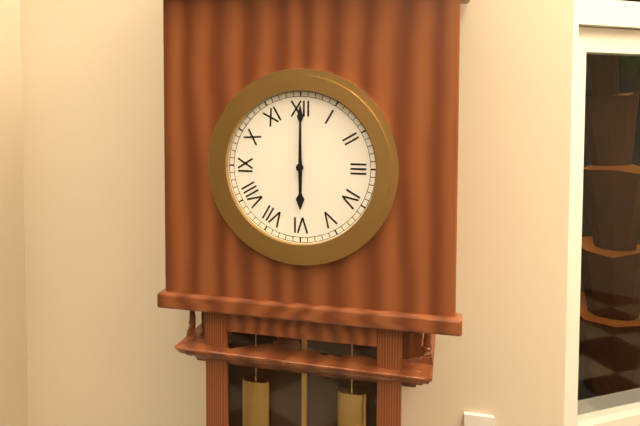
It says 6 h 00 min
